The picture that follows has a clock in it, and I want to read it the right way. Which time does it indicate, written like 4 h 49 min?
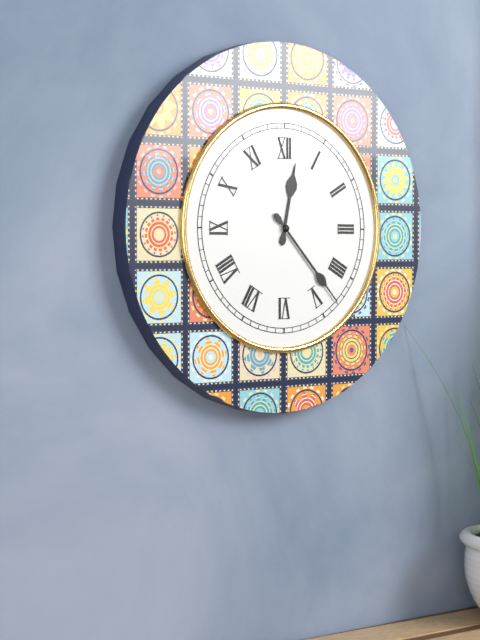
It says 12 h 23 min
